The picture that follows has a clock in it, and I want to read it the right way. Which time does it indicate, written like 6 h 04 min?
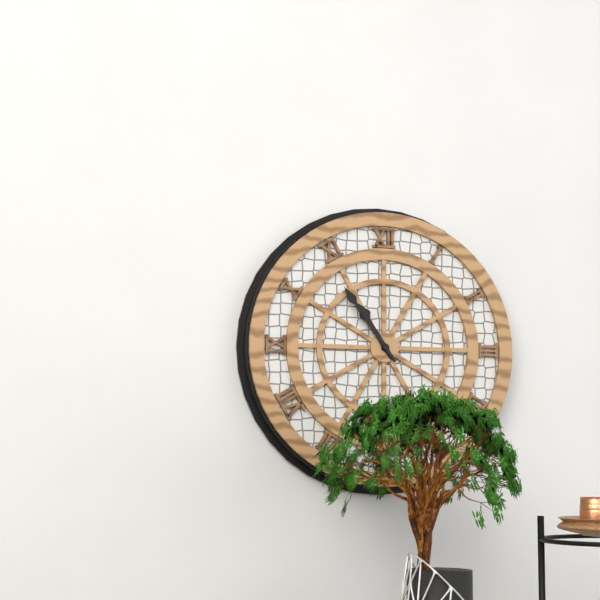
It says 10 h 54 min
